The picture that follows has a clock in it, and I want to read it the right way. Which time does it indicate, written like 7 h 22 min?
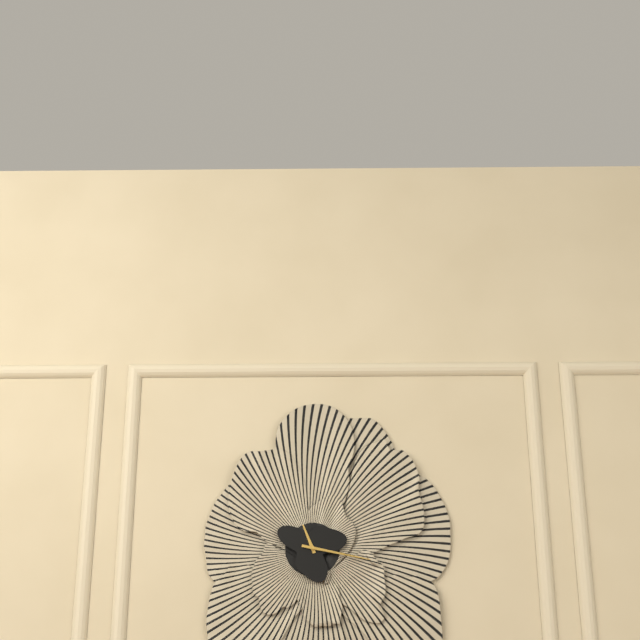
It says 11 h 17 min
